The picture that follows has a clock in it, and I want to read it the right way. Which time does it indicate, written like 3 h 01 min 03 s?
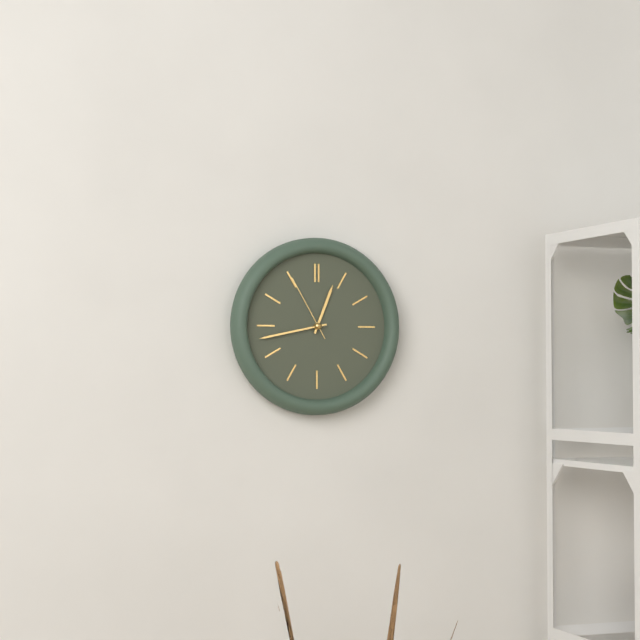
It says 12 h 43 min 55 s
